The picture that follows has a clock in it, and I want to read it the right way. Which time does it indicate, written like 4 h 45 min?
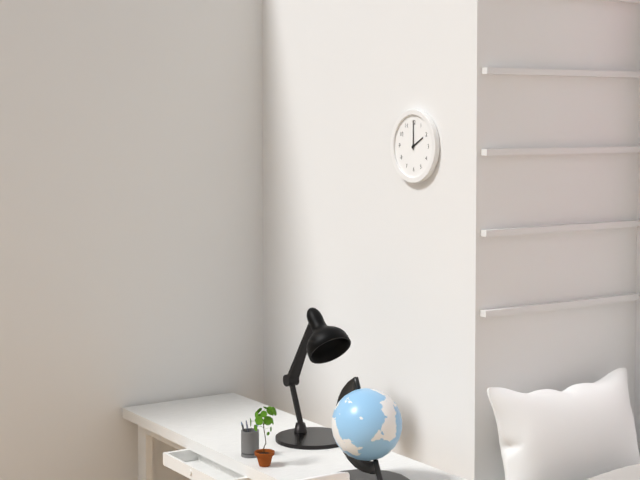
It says 2 h 00 min
